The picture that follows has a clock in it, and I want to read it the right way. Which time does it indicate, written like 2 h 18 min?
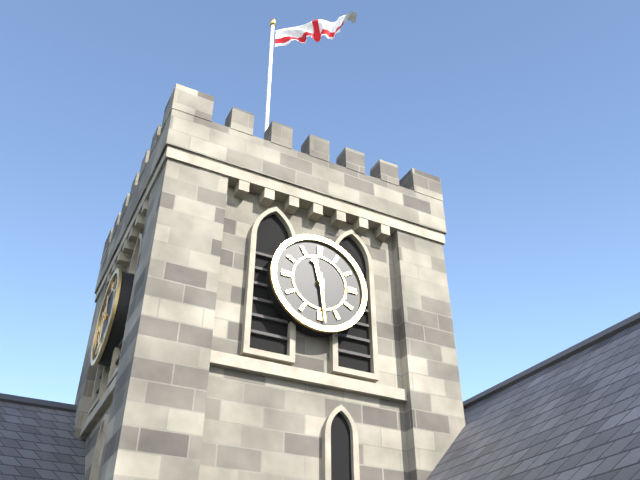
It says 11 h 29 min
